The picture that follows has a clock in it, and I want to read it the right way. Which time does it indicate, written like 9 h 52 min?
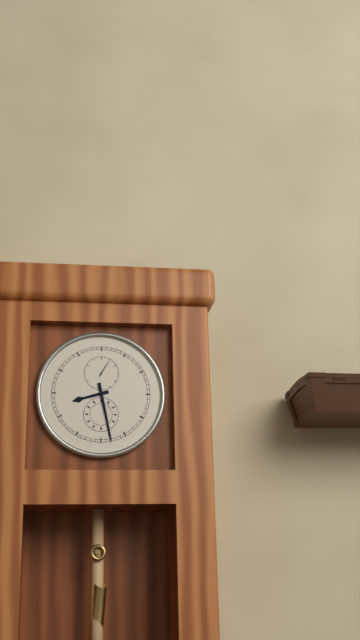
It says 8 h 28 min
